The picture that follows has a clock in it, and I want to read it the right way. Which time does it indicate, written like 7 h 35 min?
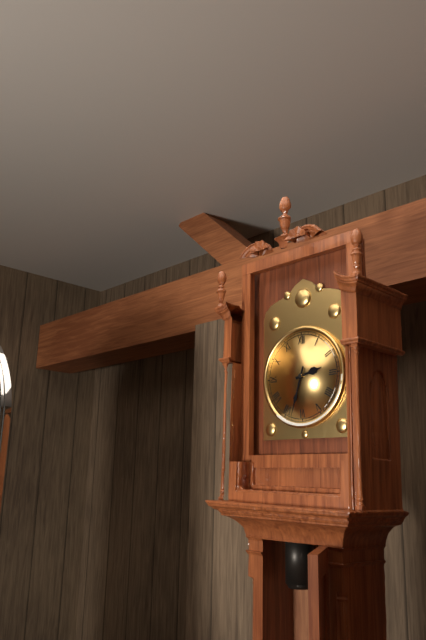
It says 2 h 33 min
